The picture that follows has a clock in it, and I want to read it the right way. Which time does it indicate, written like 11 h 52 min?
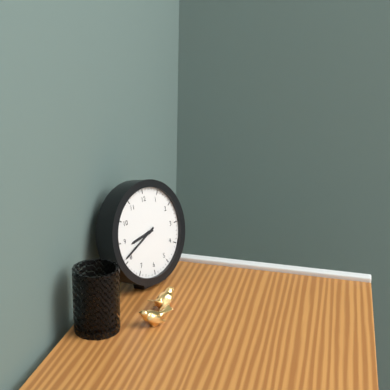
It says 8 h 41 min
